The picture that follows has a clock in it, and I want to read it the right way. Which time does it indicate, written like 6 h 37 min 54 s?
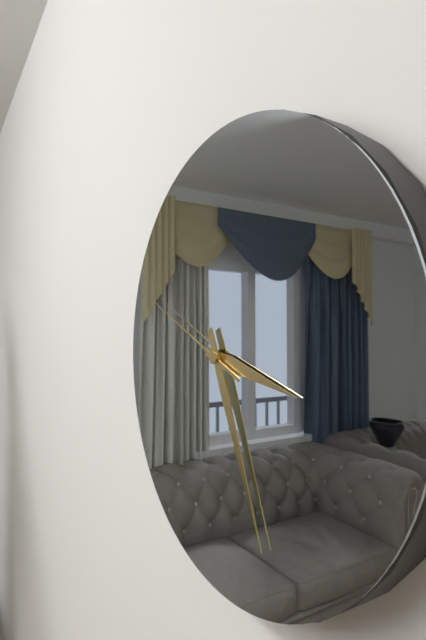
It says 3 h 26 min 49 s
